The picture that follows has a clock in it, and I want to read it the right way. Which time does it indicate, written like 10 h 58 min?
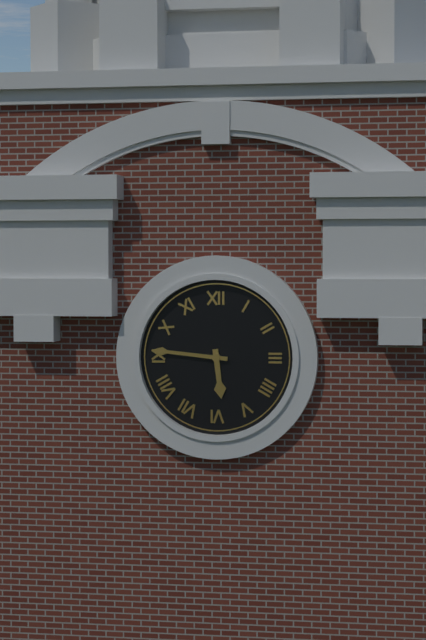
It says 5 h 46 min
